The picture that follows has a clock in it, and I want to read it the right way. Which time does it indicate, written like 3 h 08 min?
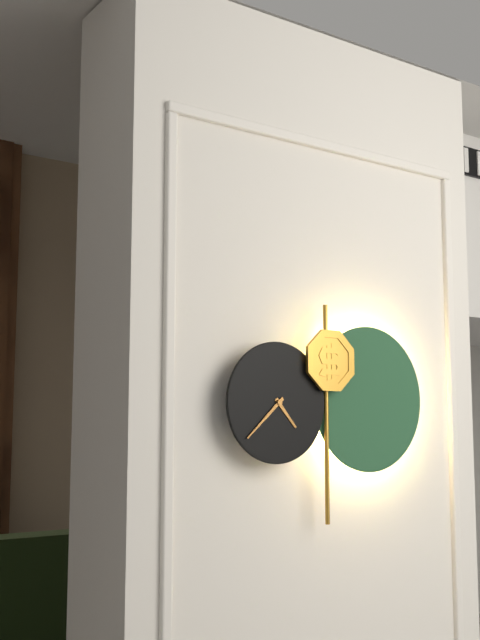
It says 4 h 38 min
